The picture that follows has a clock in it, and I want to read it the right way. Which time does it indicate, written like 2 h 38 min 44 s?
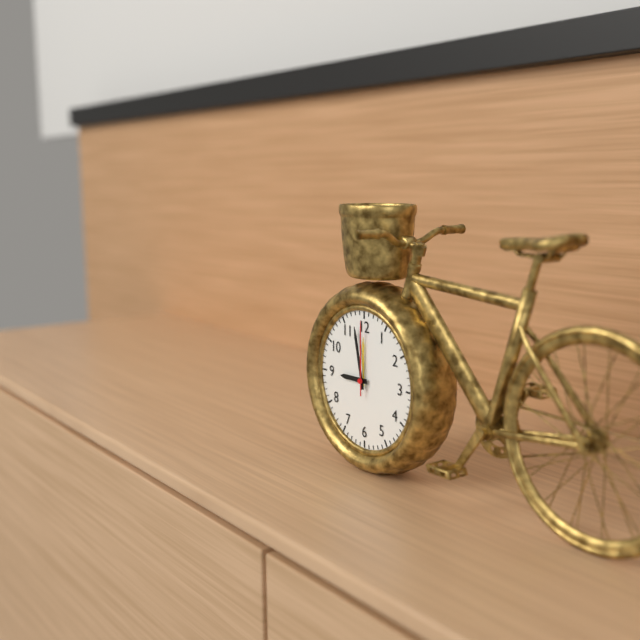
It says 8 h 58 min 00 s
